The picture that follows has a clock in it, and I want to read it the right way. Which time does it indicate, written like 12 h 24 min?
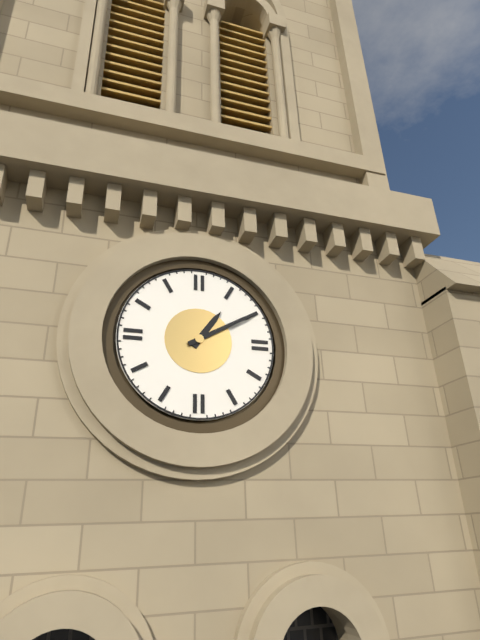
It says 1 h 10 min
